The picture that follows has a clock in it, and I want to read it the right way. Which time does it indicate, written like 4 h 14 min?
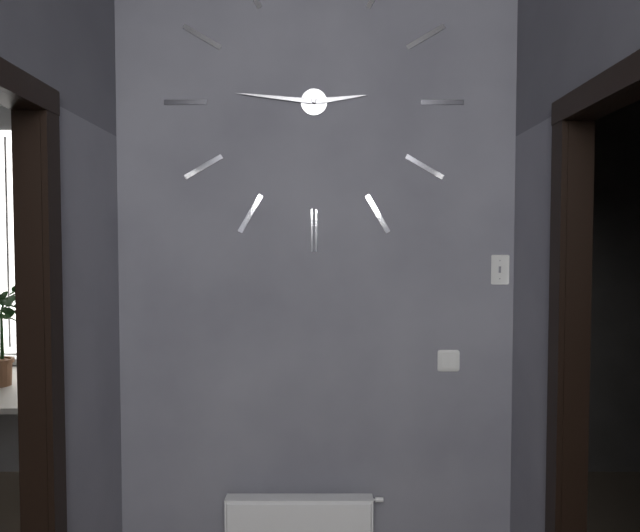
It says 2 h 46 min
